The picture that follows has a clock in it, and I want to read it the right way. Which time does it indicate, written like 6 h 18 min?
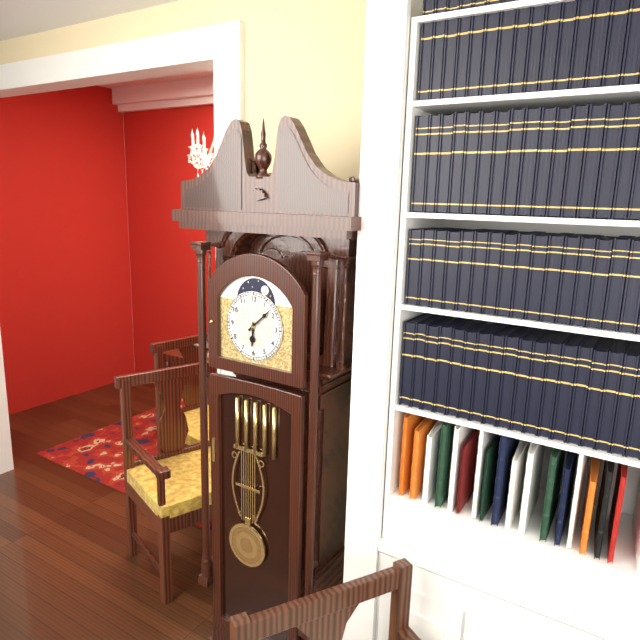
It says 6 h 08 min
